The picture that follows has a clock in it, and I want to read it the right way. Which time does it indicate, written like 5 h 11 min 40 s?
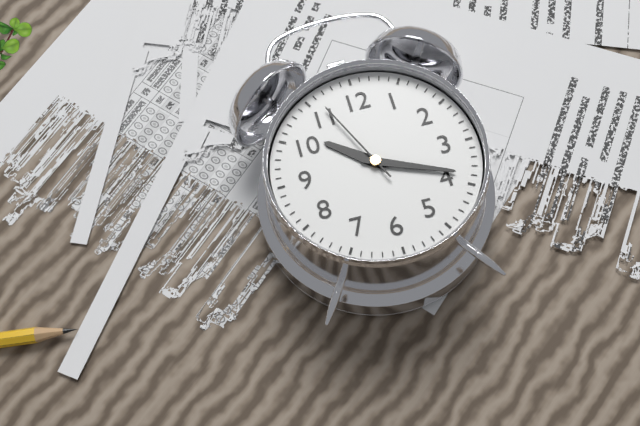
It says 10 h 19 min 56 s
